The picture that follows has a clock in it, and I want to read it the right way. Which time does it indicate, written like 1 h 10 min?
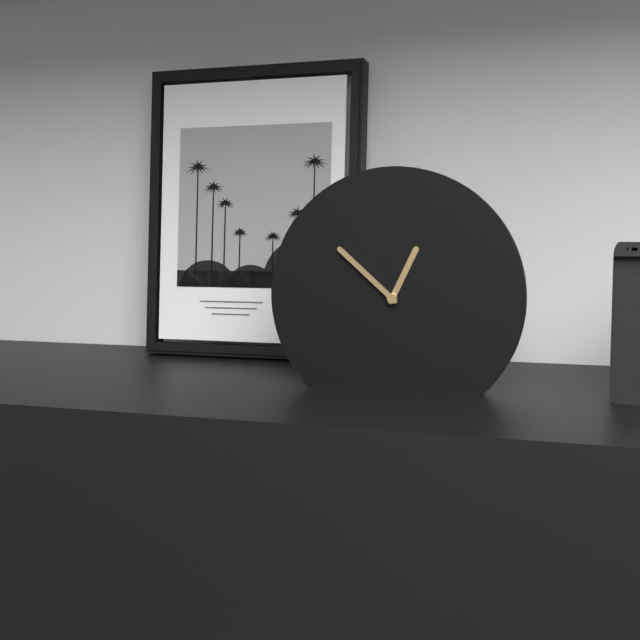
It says 12 h 52 min
